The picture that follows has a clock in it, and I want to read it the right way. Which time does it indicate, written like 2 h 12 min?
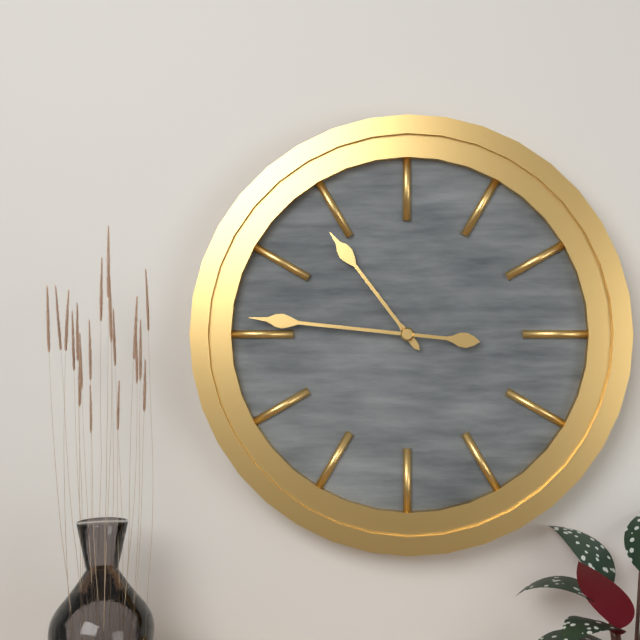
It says 10 h 46 min
